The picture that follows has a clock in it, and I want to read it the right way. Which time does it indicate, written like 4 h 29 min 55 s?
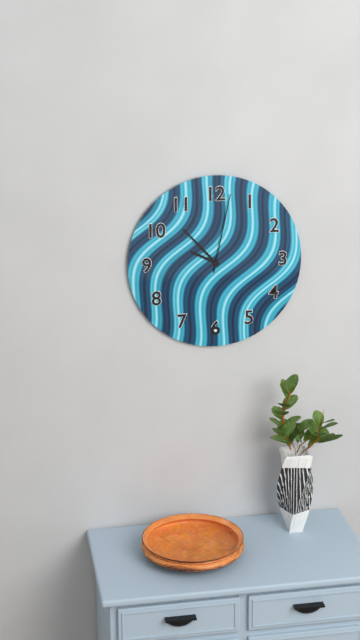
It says 9 h 53 min 02 s
